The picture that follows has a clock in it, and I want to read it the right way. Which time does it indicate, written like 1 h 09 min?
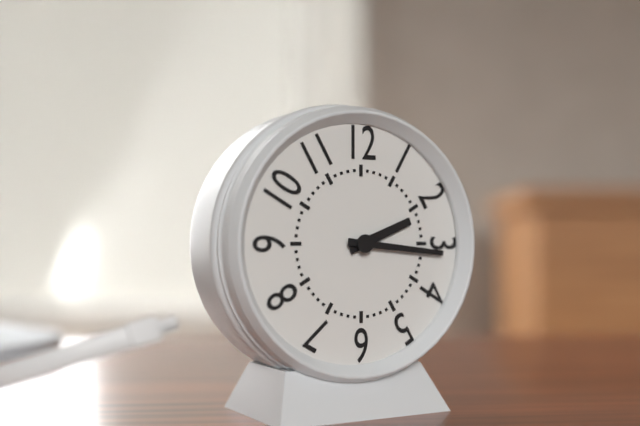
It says 2 h 16 min
